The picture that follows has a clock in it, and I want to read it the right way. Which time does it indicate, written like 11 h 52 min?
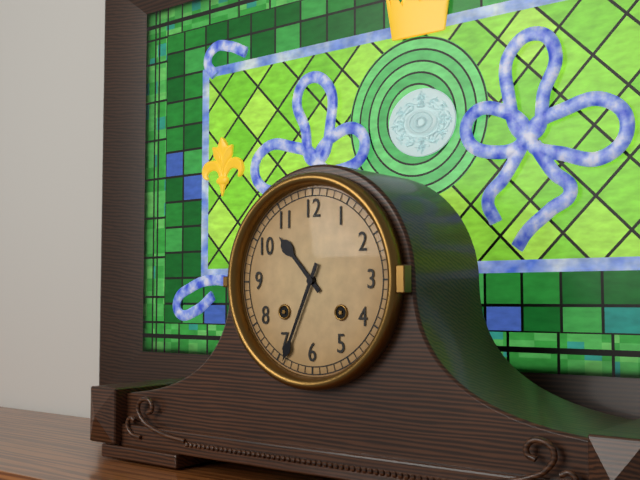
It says 10 h 34 min
